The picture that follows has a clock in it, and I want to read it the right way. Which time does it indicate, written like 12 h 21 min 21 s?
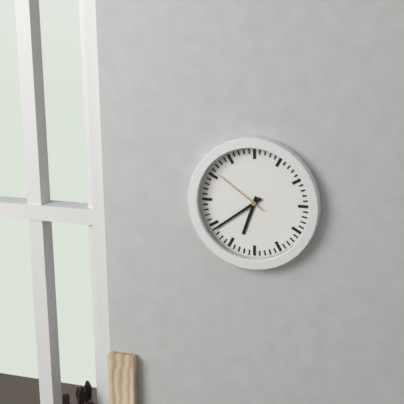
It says 6 h 39 min 51 s
